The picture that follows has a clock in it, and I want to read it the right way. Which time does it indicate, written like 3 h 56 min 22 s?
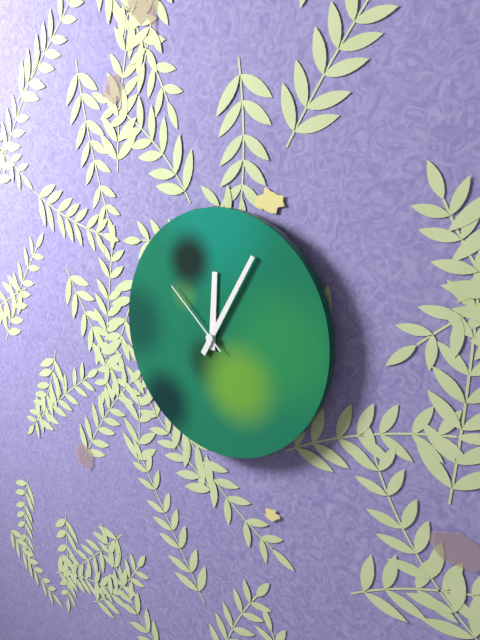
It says 12 h 05 min 52 s
